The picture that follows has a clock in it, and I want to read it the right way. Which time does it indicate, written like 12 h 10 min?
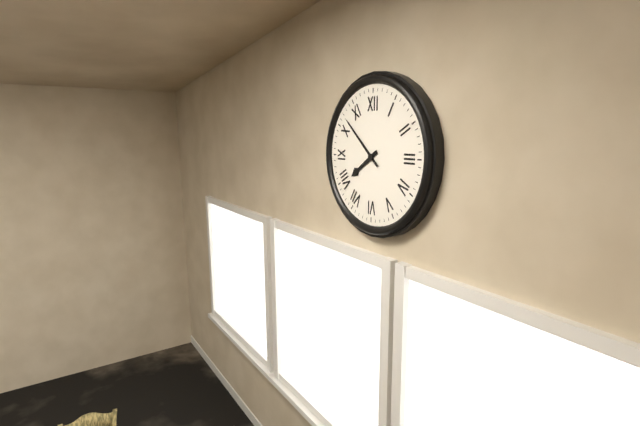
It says 7 h 52 min
